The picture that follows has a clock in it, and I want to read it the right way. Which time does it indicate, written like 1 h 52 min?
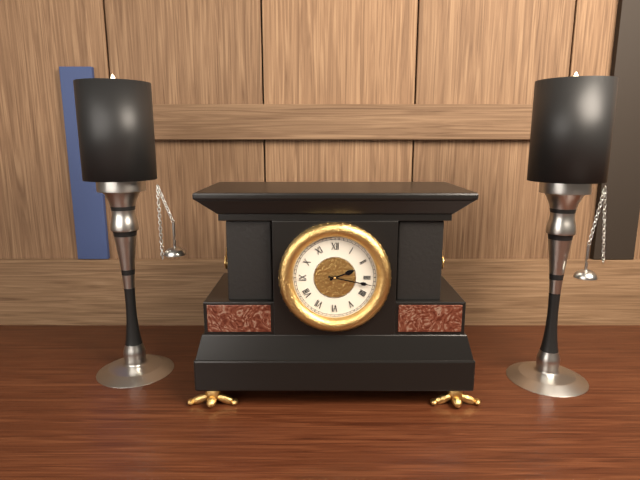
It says 2 h 17 min
